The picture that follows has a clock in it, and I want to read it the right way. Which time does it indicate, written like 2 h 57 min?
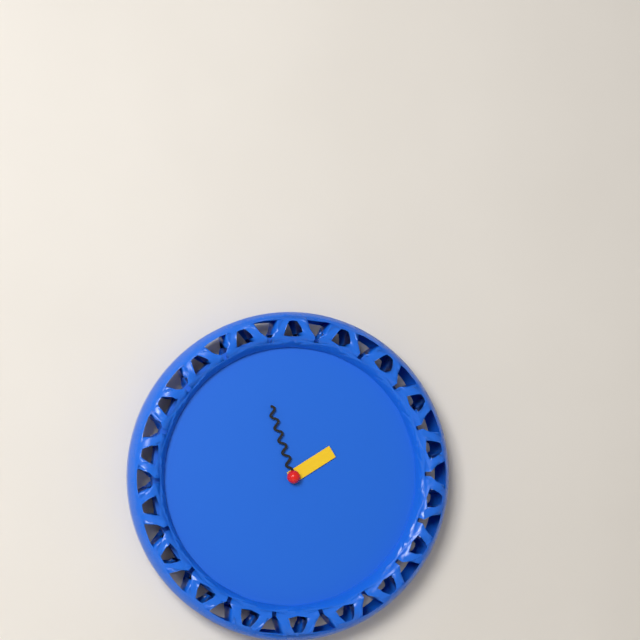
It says 1 h 57 min
